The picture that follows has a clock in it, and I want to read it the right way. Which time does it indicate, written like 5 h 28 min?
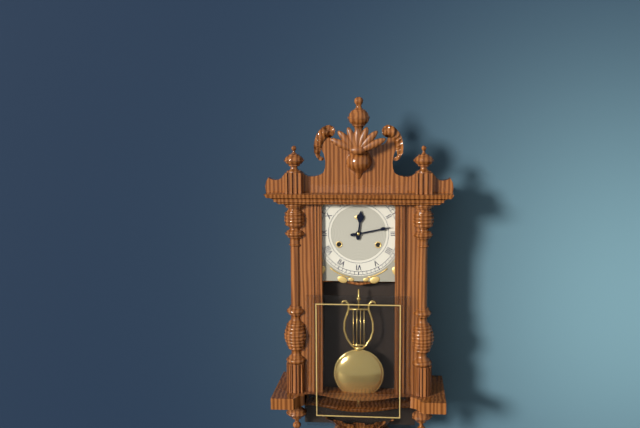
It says 12 h 13 min
